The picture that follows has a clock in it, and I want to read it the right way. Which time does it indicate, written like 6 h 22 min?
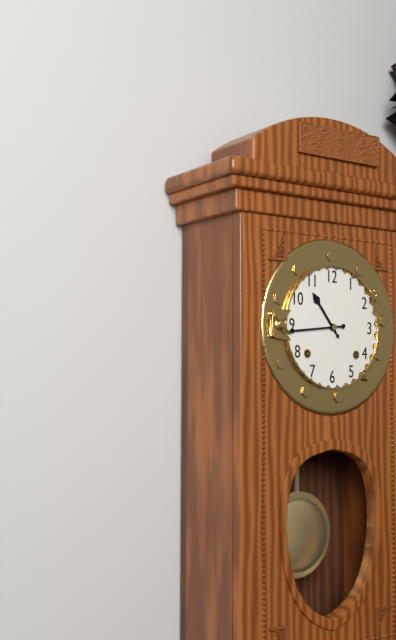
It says 10 h 44 min
